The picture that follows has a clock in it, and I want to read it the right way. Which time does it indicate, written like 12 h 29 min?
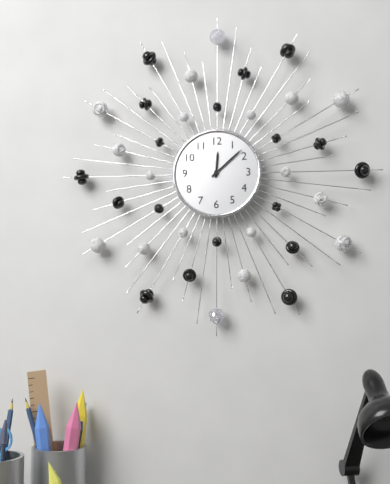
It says 12 h 08 min
